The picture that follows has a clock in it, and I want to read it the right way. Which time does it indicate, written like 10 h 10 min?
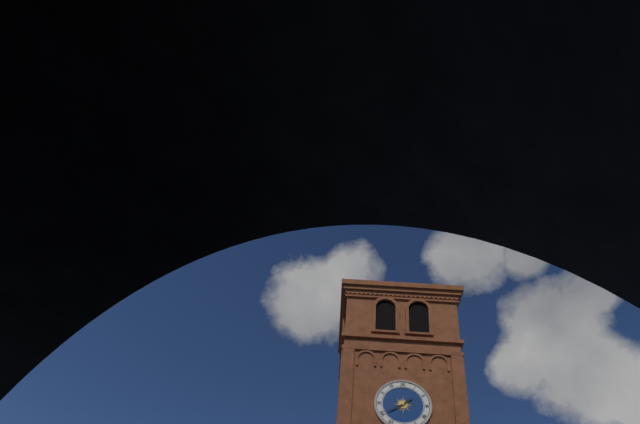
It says 1 h 40 min
